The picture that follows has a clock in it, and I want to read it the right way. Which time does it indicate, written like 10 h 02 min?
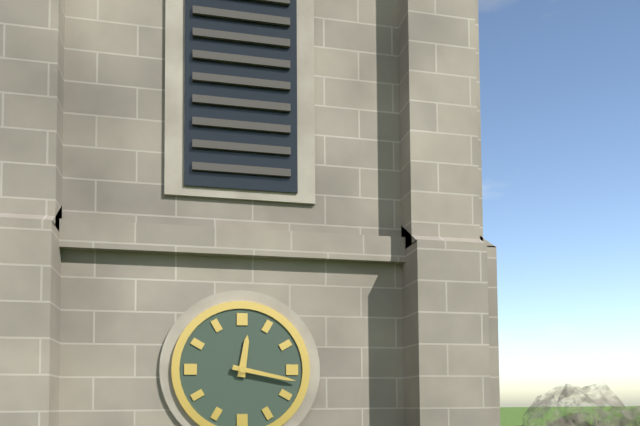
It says 12 h 17 min
